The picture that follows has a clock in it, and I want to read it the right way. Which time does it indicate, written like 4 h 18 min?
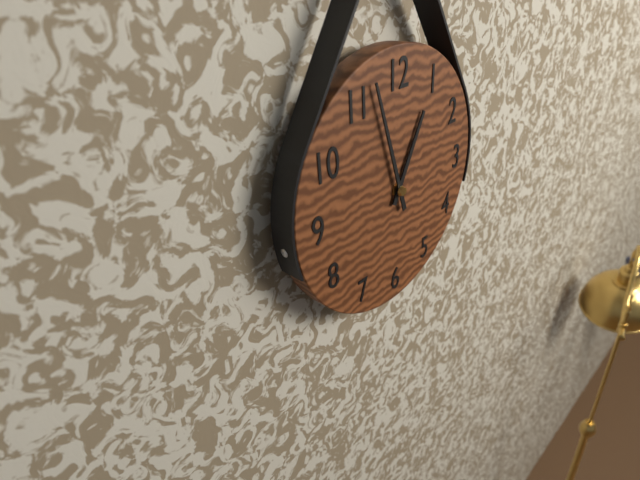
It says 12 h 57 min
